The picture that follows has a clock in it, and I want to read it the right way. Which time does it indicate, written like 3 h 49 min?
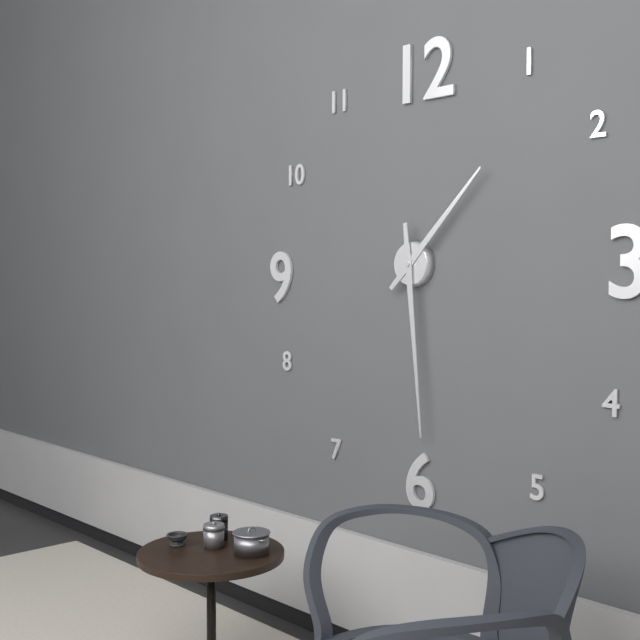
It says 1 h 29 min
